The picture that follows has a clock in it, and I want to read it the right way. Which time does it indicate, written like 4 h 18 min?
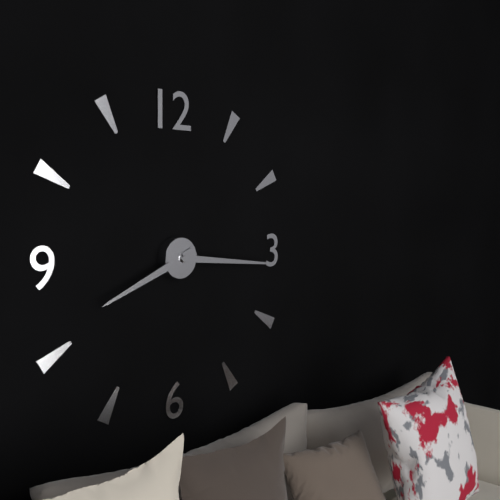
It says 8 h 16 min
